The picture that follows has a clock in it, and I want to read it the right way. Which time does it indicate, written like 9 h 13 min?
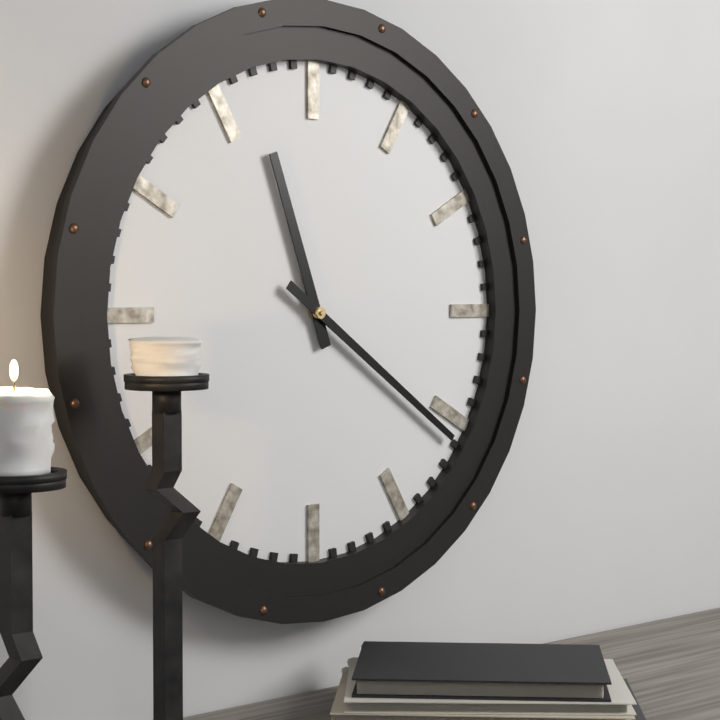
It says 11 h 21 min
